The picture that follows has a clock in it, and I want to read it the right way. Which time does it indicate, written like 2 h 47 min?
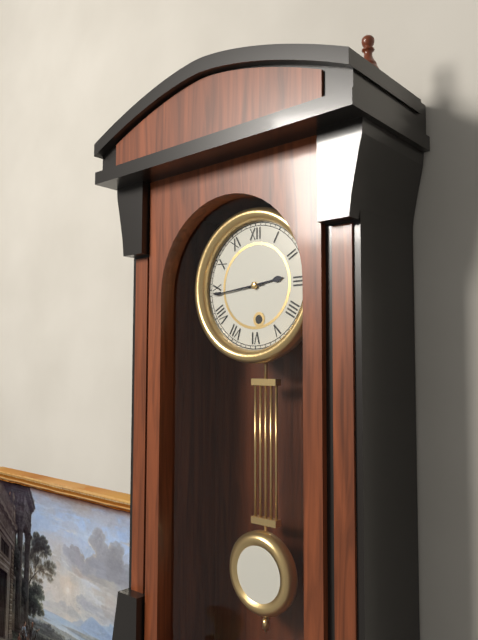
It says 2 h 44 min
